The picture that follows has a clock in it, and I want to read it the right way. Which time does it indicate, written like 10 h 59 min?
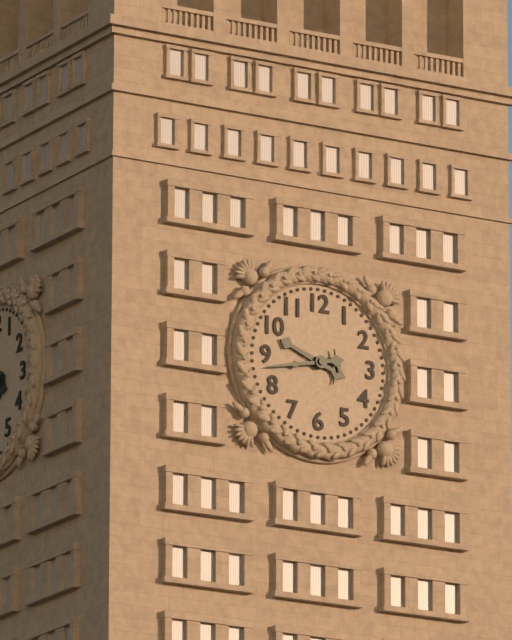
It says 9 h 43 min
